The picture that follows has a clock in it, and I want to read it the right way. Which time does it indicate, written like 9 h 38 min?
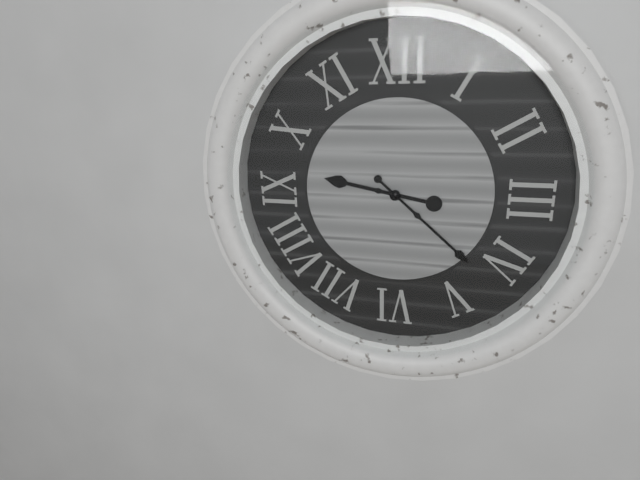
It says 9 h 22 min
